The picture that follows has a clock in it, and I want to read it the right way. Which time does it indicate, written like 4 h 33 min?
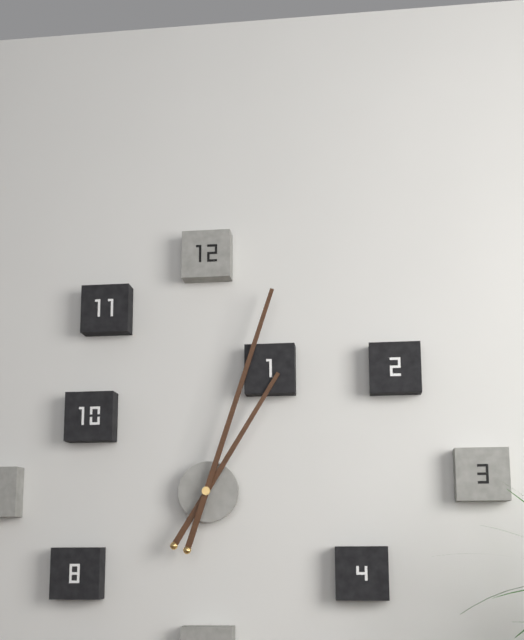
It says 1 h 03 min
